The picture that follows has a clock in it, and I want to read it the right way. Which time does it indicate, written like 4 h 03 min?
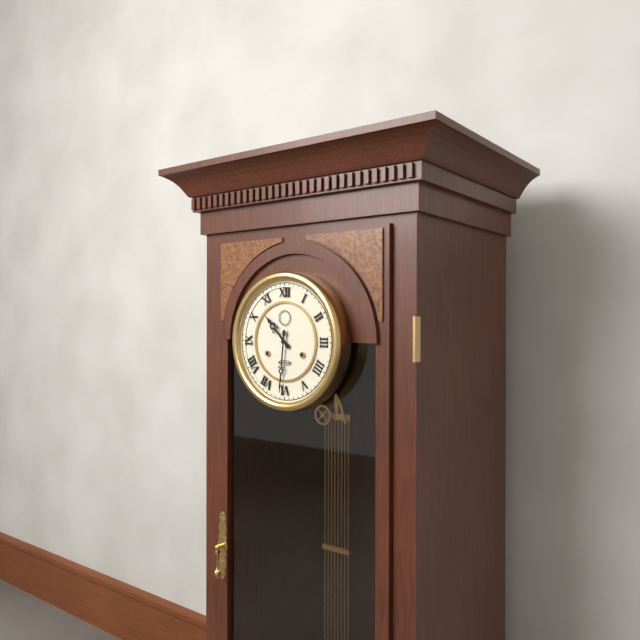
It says 10 h 31 min
